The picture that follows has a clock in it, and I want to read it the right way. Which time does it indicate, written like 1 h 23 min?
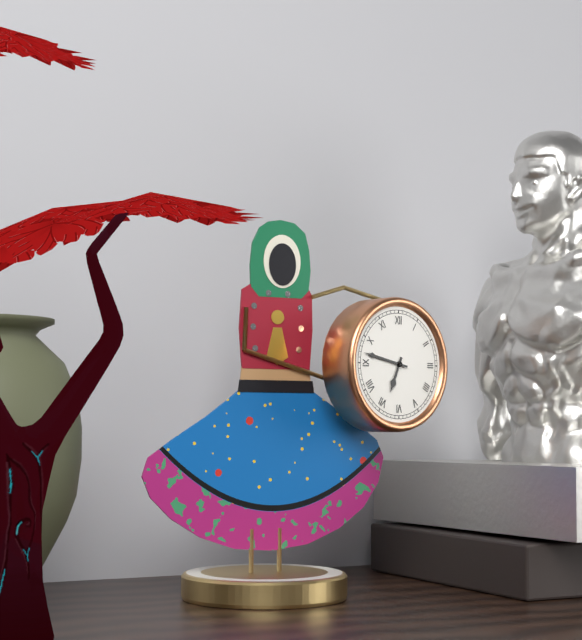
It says 6 h 47 min
